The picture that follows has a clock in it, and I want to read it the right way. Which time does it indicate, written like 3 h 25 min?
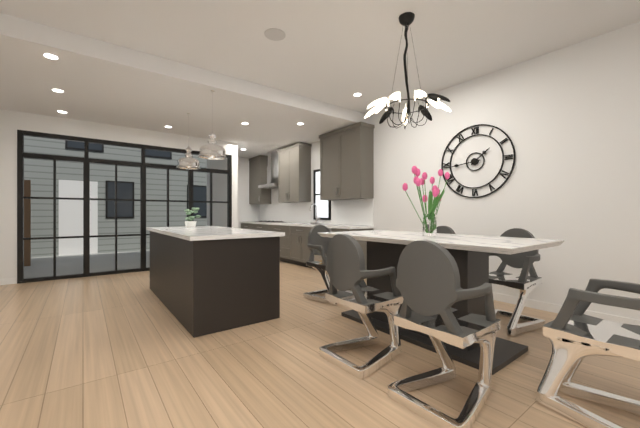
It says 1 h 44 min
